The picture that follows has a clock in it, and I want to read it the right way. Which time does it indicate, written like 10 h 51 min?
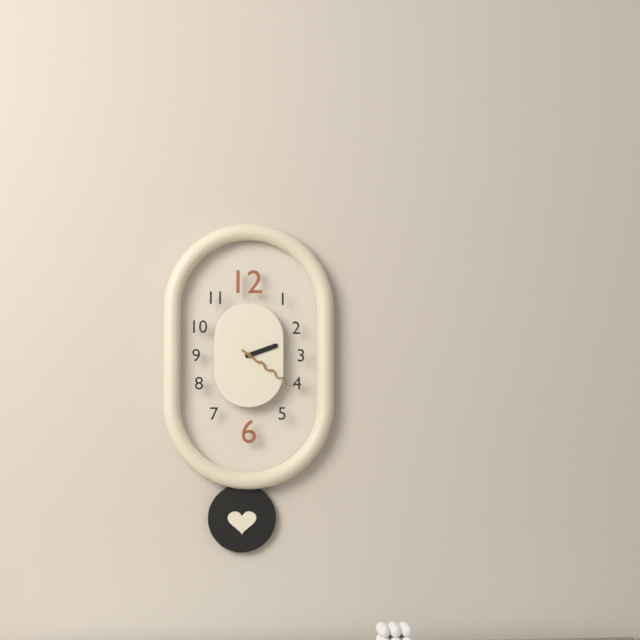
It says 2 h 21 min
